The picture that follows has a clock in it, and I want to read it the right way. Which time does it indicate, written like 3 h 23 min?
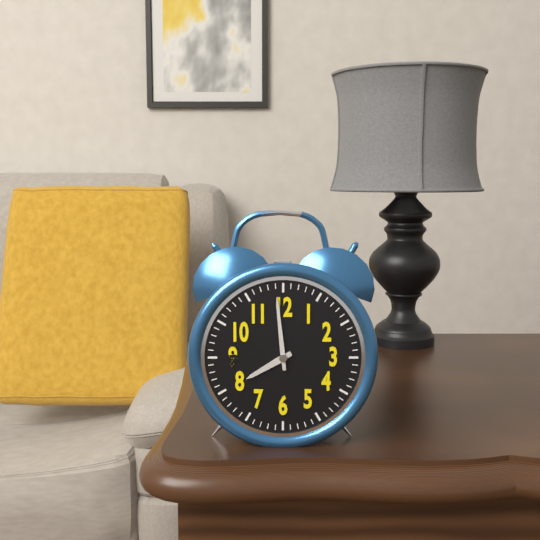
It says 7 h 59 min
